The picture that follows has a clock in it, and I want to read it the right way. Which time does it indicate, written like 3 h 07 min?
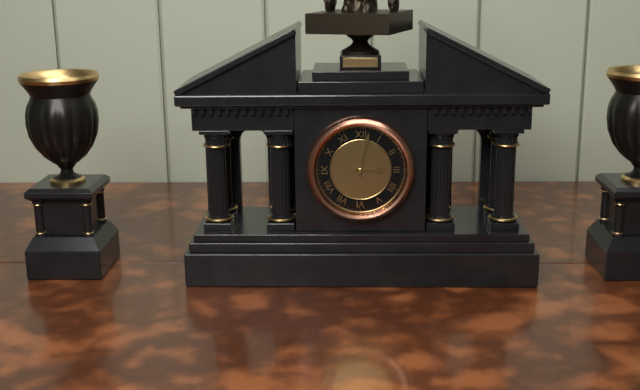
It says 3 h 02 min
